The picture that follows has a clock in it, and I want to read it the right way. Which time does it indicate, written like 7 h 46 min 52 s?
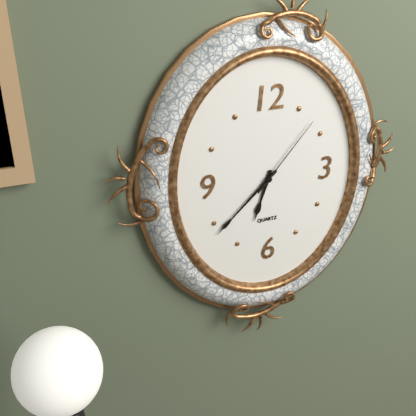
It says 6 h 38 min 07 s
